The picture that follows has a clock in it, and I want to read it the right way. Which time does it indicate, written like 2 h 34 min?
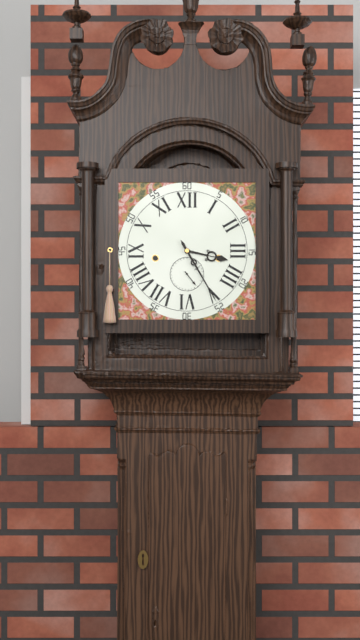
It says 3 h 25 min
